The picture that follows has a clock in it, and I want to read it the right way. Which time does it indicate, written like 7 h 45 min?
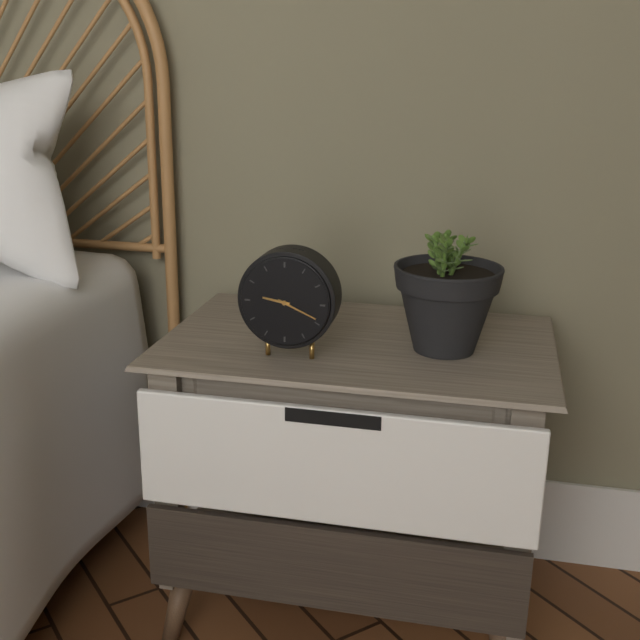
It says 9 h 19 min
